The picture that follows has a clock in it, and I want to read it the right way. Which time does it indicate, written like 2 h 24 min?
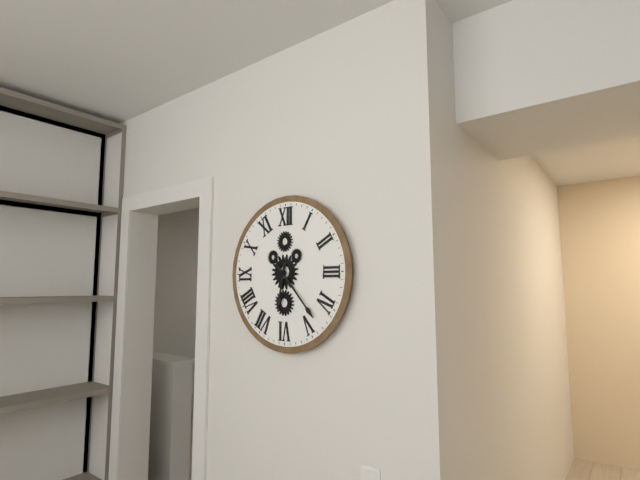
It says 6 h 23 min
